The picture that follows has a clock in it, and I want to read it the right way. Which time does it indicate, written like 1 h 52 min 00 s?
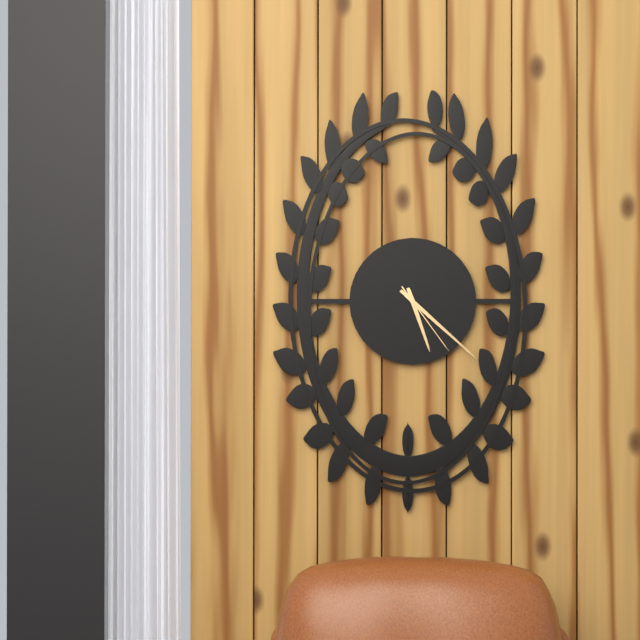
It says 5 h 22 min 24 s
